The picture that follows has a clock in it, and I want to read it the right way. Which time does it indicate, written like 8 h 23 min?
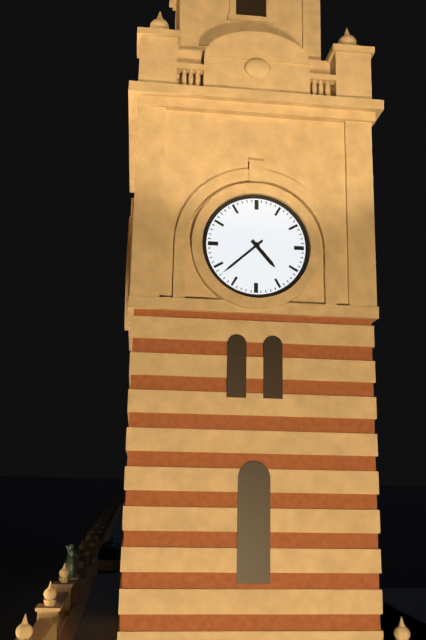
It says 4 h 38 min
